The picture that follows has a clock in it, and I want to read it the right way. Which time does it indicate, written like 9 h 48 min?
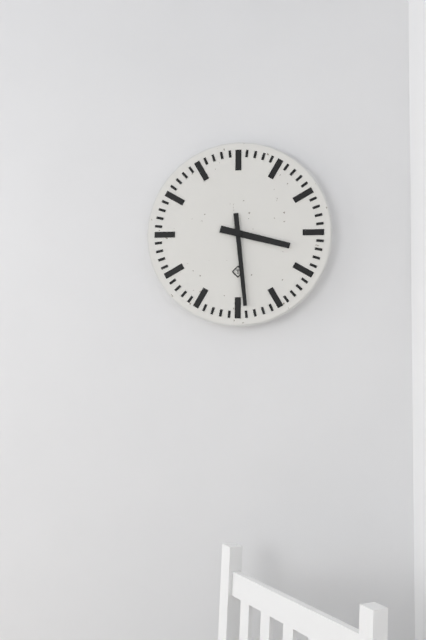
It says 3 h 29 min
